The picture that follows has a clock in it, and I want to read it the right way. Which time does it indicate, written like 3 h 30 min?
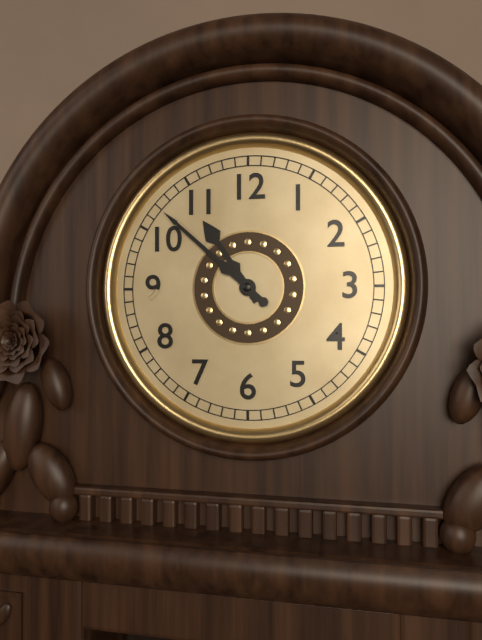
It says 10 h 52 min
